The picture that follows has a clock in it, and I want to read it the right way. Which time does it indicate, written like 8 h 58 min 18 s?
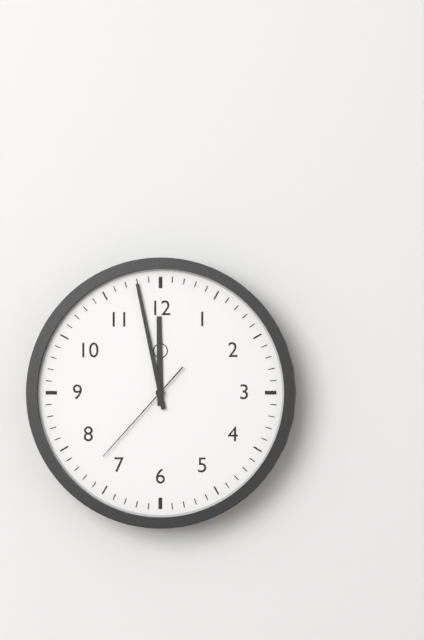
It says 11 h 58 min 37 s
